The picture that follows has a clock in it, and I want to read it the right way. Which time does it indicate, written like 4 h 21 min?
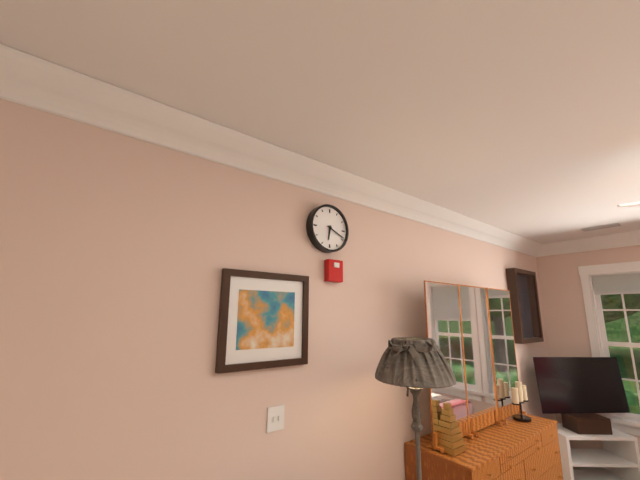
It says 6 h 19 min
